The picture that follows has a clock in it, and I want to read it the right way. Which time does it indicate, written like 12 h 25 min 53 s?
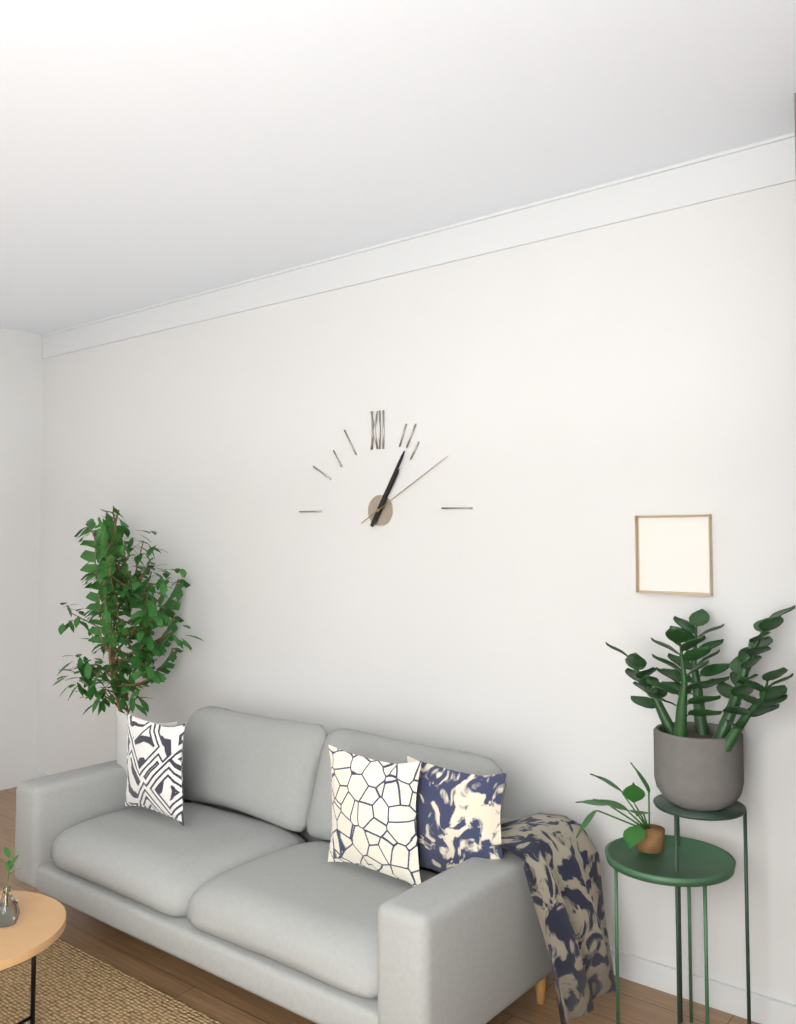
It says 1 h 05 min 10 s
